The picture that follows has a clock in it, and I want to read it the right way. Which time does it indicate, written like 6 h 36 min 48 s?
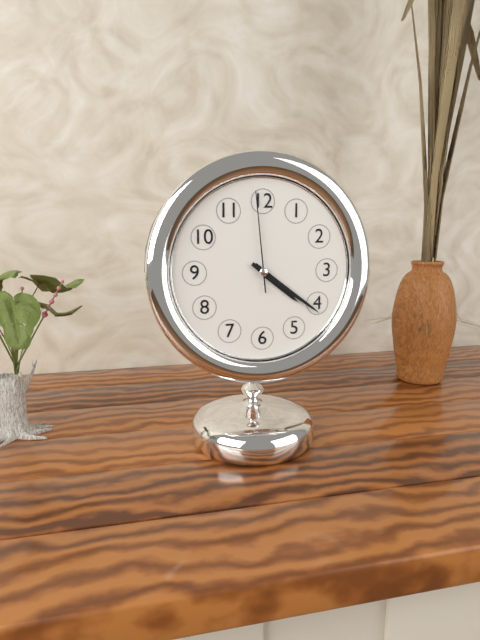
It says 4 h 21 min 59 s
